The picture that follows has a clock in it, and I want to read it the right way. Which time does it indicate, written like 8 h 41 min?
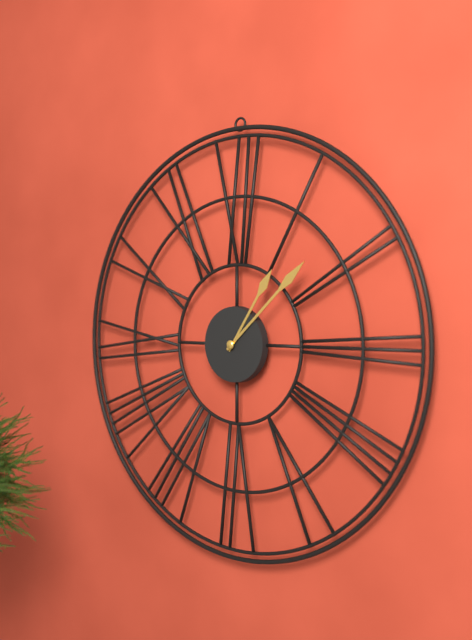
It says 1 h 08 min
